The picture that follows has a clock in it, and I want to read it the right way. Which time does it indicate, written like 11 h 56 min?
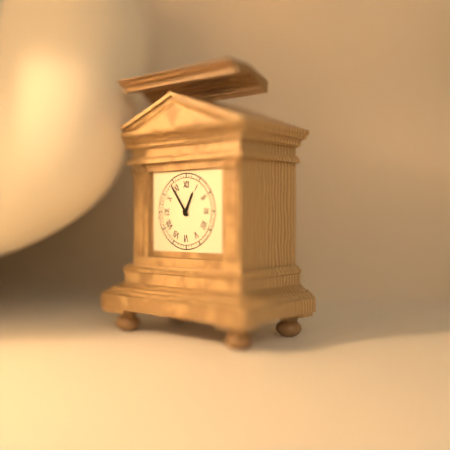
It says 12 h 54 min
